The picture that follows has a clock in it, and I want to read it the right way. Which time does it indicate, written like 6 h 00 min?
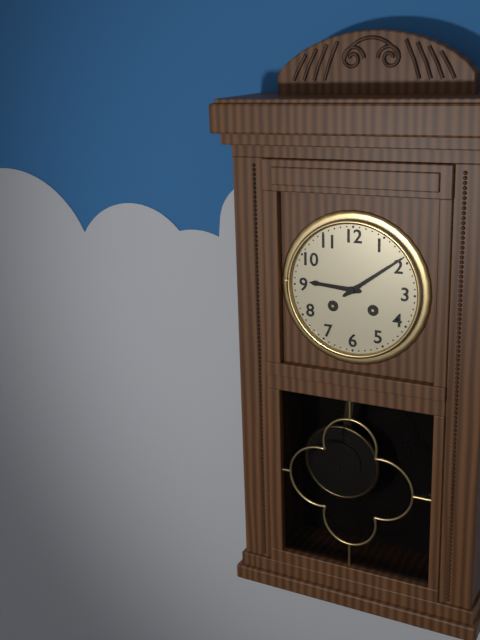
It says 9 h 09 min
